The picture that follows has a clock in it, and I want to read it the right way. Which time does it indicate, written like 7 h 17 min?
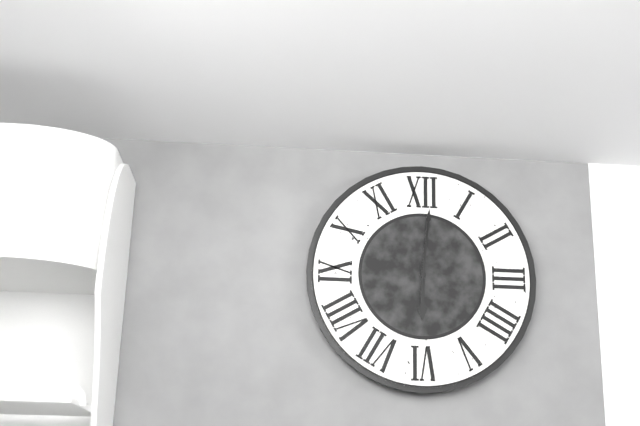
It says 6 h 01 min
